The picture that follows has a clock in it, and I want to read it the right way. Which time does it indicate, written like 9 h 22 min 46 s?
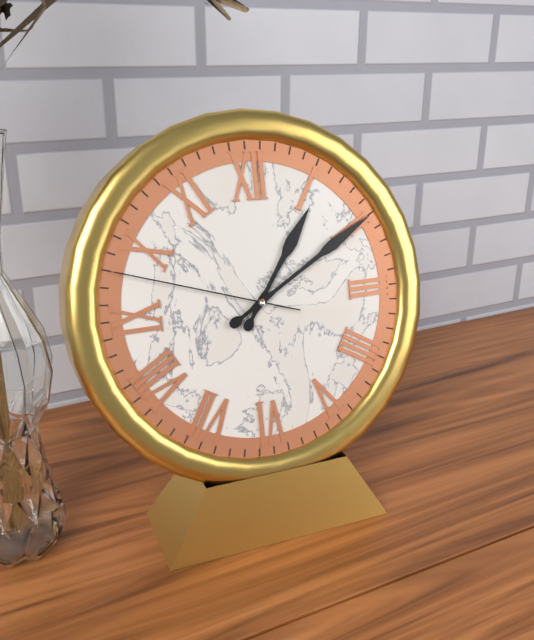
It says 1 h 10 min 48 s
